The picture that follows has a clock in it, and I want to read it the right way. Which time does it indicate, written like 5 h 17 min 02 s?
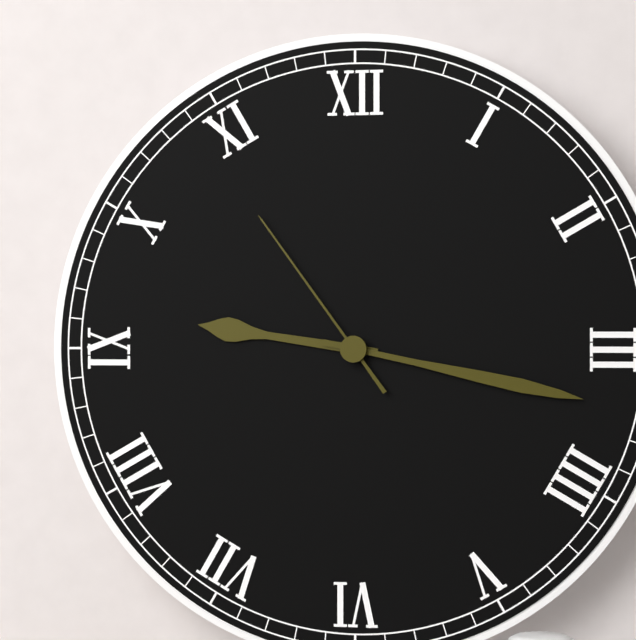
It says 9 h 17 min 54 s
